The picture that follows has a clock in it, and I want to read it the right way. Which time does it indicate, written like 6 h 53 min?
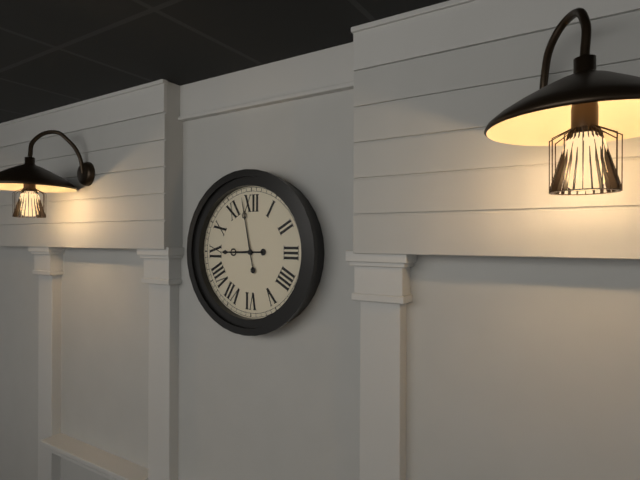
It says 8 h 58 min
